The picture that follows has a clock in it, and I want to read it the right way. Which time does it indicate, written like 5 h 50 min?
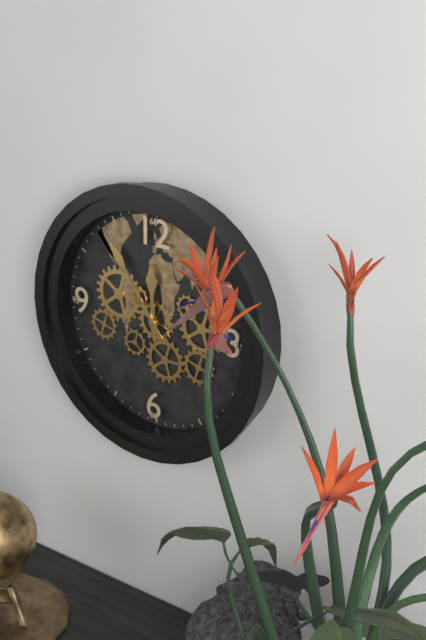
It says 11 h 54 min
